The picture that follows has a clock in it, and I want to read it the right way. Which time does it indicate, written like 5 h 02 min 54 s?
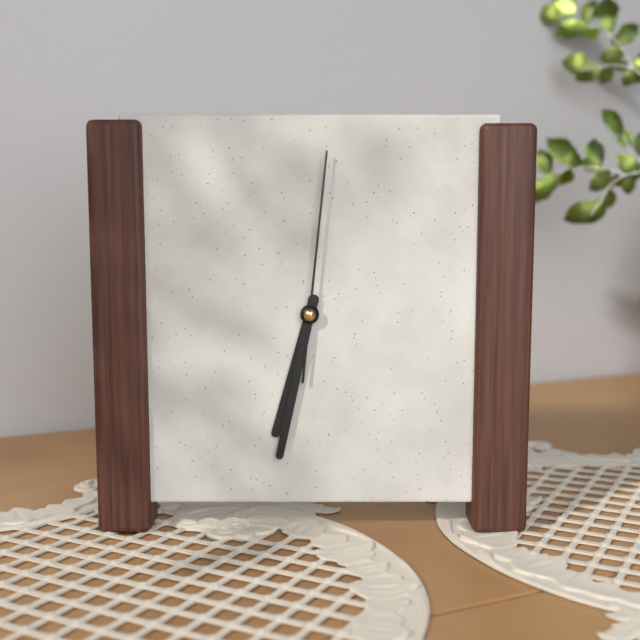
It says 6 h 32 min 01 s
